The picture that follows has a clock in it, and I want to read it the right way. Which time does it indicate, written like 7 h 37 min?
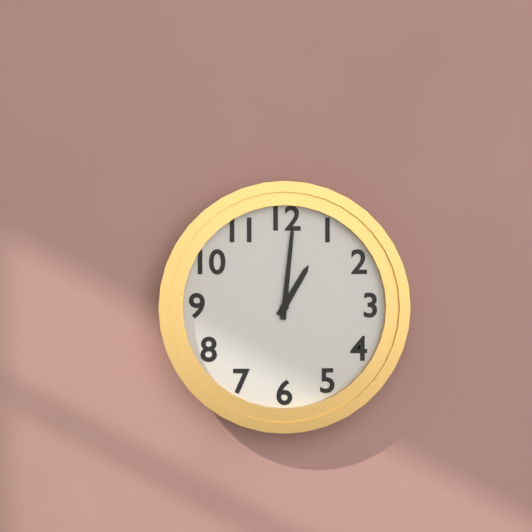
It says 1 h 01 min
